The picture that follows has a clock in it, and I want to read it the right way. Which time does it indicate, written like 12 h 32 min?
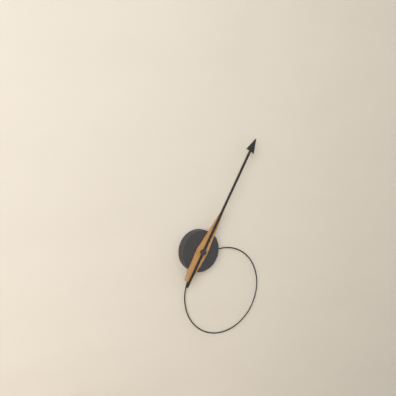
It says 1 h 05 min
